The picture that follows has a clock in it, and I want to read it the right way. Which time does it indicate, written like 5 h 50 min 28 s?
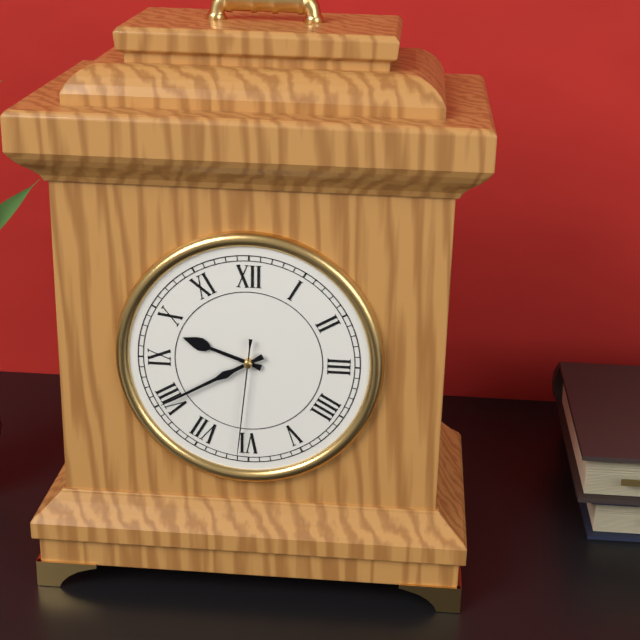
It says 9 h 40 min 31 s
